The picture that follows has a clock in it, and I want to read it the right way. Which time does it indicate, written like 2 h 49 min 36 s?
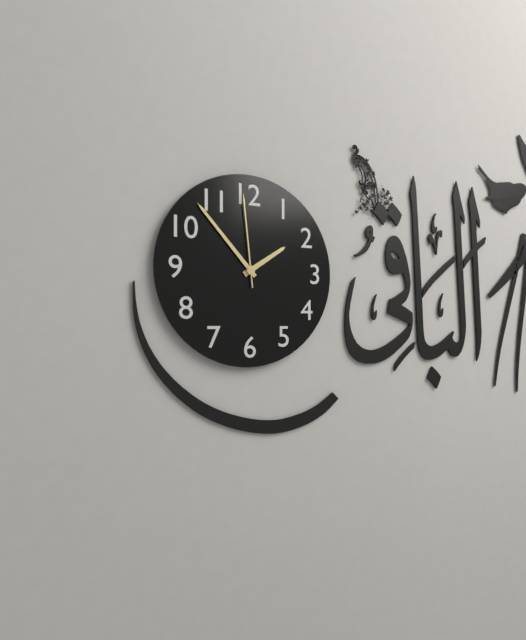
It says 1 h 53 min 59 s
